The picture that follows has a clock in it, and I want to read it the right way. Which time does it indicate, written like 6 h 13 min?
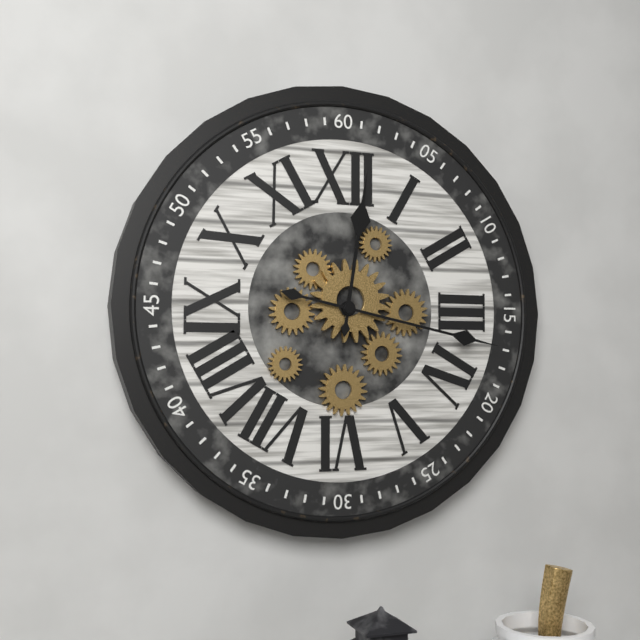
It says 12 h 17 min
